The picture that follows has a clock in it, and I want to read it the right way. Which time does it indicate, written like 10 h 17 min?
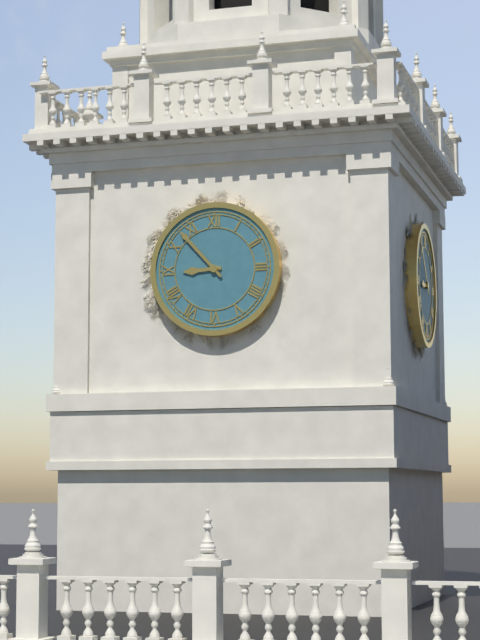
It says 8 h 53 min
